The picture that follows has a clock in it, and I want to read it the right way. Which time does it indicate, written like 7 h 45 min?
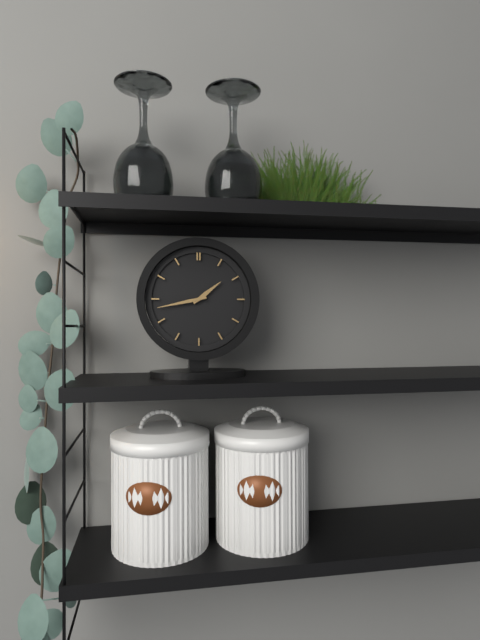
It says 1 h 43 min
